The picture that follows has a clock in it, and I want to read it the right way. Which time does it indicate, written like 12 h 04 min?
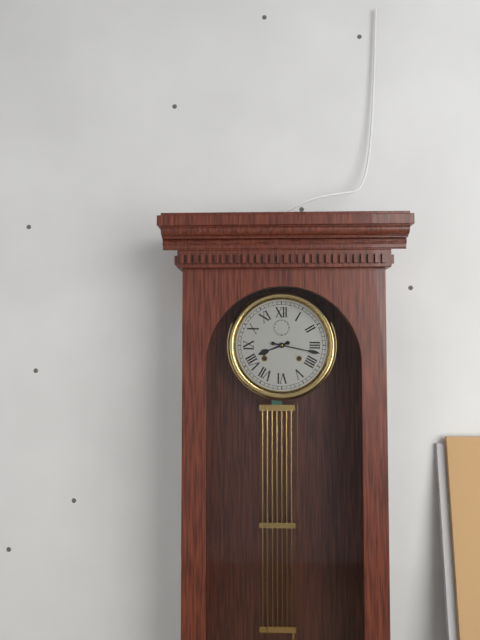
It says 8 h 17 min
